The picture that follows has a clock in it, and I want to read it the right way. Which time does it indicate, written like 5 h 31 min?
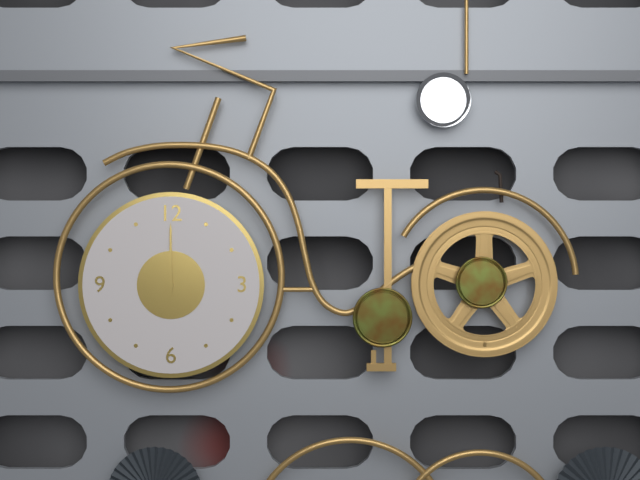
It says 12 h 00 min
